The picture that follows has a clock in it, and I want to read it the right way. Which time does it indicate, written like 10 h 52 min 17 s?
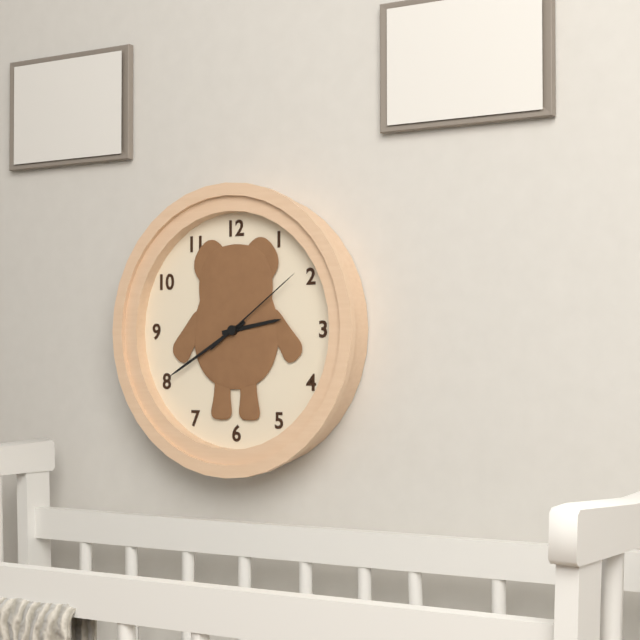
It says 2 h 40 min 09 s
